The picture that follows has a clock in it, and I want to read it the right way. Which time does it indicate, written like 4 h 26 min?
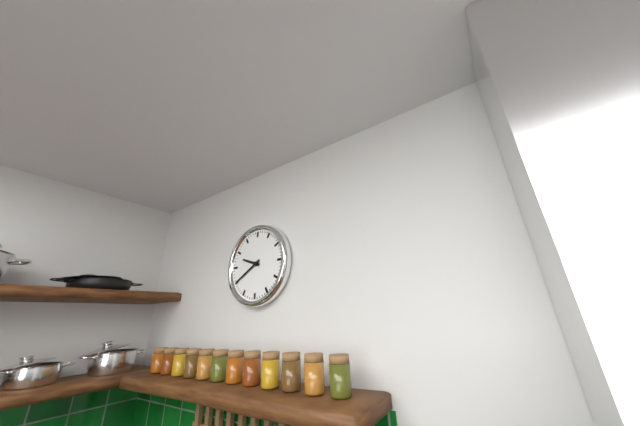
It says 9 h 40 min
